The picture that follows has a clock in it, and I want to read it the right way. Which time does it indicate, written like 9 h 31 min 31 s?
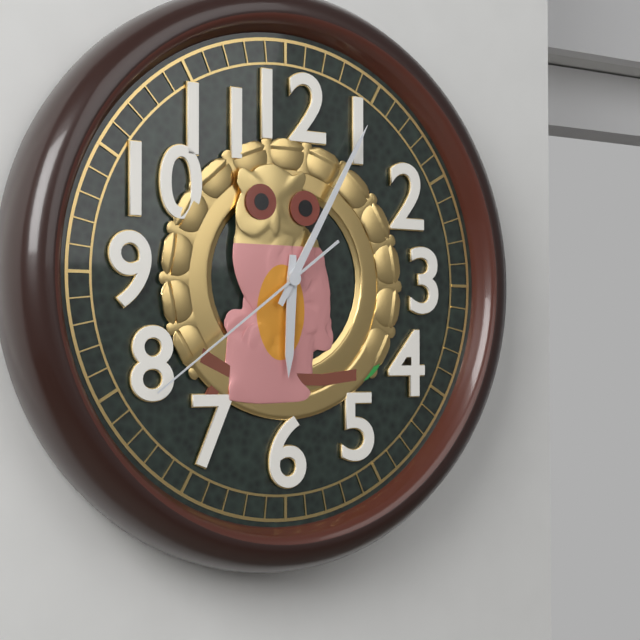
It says 6 h 05 min 39 s
